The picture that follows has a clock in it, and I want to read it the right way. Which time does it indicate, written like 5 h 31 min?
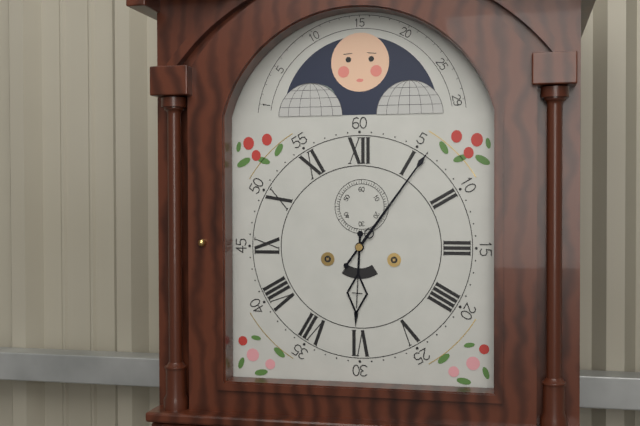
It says 6 h 06 min
